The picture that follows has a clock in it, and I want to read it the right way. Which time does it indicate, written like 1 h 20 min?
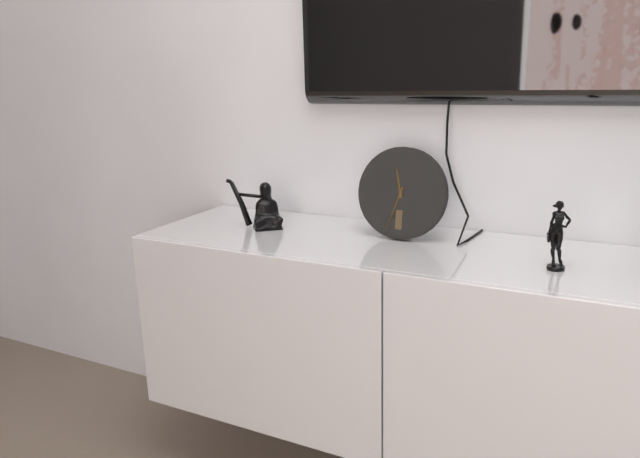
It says 11 h 33 min
